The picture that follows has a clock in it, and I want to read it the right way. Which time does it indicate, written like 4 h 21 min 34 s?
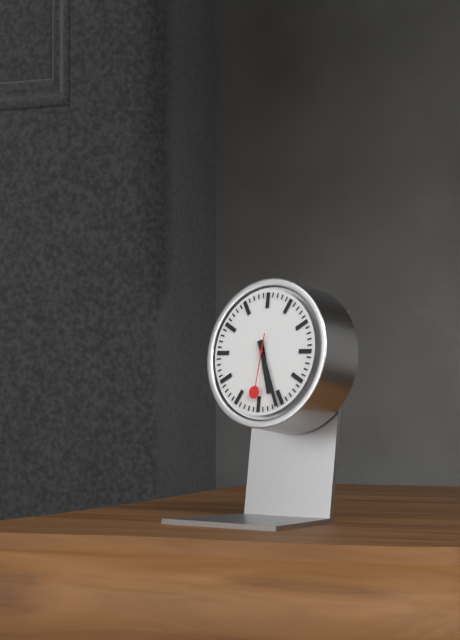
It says 5 h 26 min 31 s
